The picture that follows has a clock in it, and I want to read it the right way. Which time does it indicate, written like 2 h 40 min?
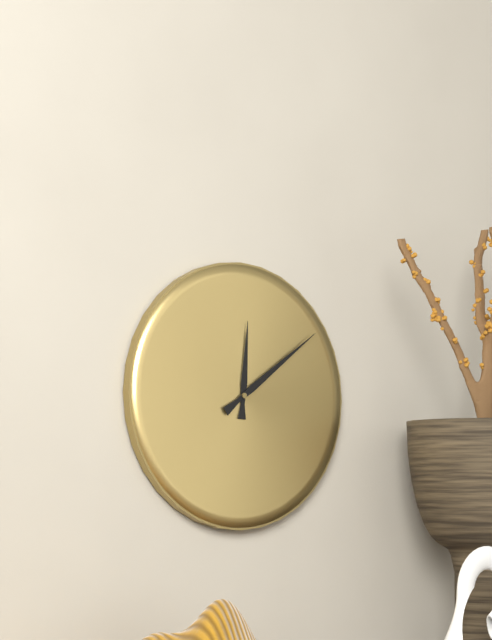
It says 12 h 09 min
